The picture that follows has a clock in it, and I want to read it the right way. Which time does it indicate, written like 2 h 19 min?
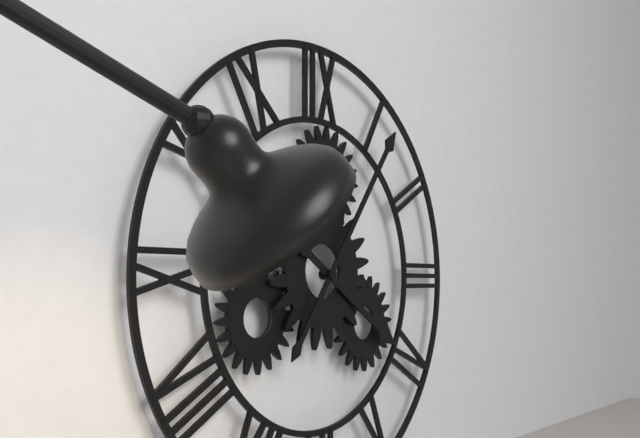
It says 4 h 06 min
